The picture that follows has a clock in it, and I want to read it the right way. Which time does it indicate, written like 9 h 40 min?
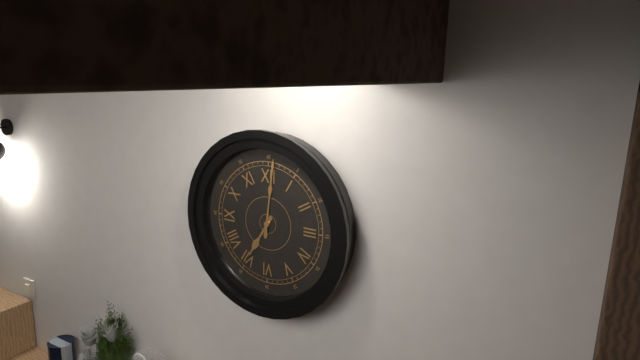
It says 7 h 01 min
